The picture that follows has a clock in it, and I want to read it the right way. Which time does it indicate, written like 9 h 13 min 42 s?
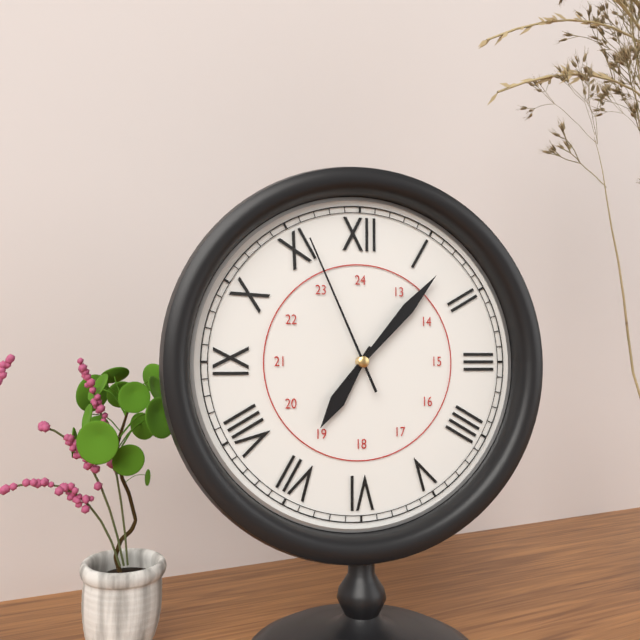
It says 7 h 07 min 56 s
